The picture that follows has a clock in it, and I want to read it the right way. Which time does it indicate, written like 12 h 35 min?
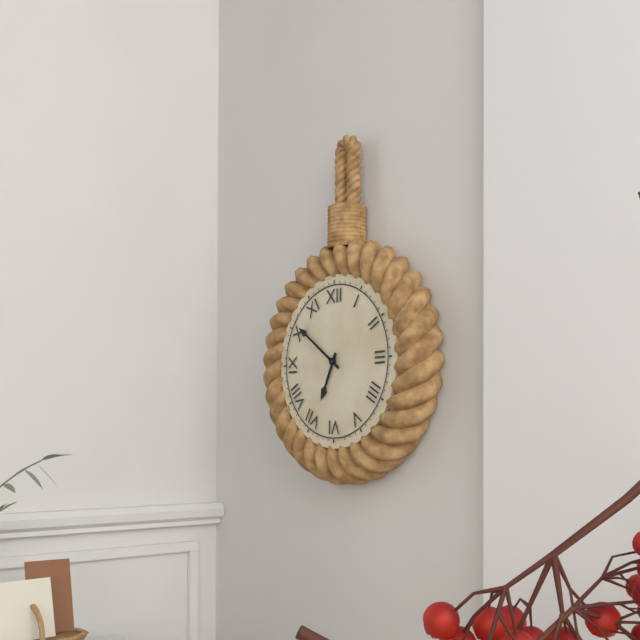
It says 6 h 51 min
